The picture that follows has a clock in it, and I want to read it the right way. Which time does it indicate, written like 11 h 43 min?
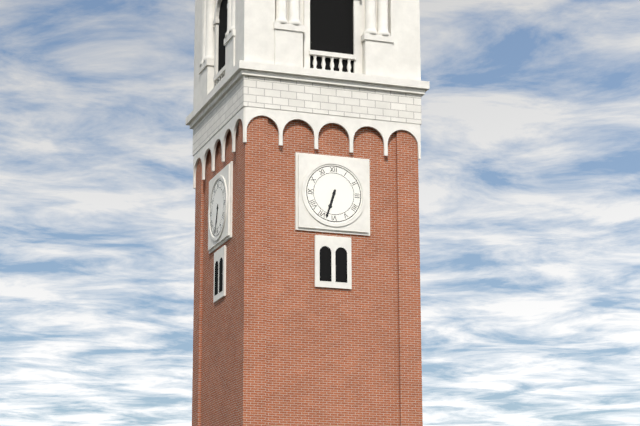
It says 6 h 33 min
